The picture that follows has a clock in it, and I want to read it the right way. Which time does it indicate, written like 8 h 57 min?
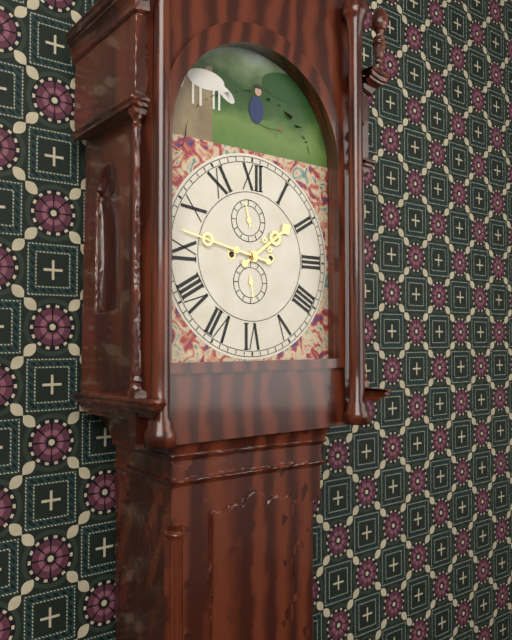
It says 1 h 47 min
